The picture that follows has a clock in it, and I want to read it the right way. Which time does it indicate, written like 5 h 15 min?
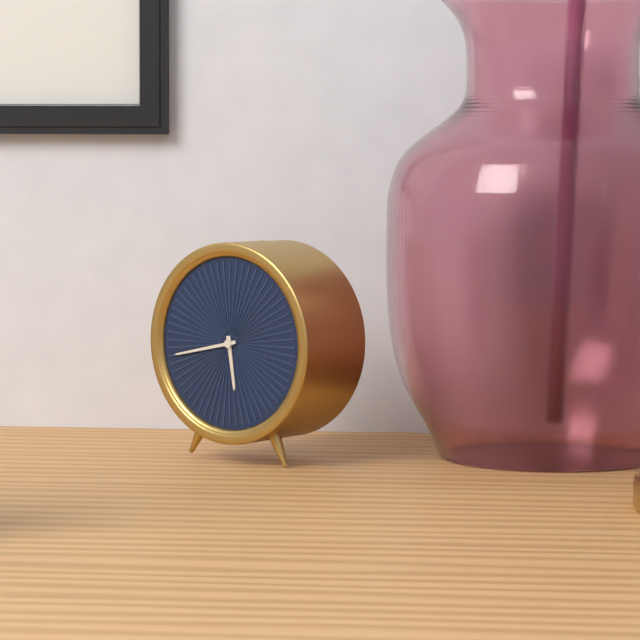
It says 5 h 43 min
